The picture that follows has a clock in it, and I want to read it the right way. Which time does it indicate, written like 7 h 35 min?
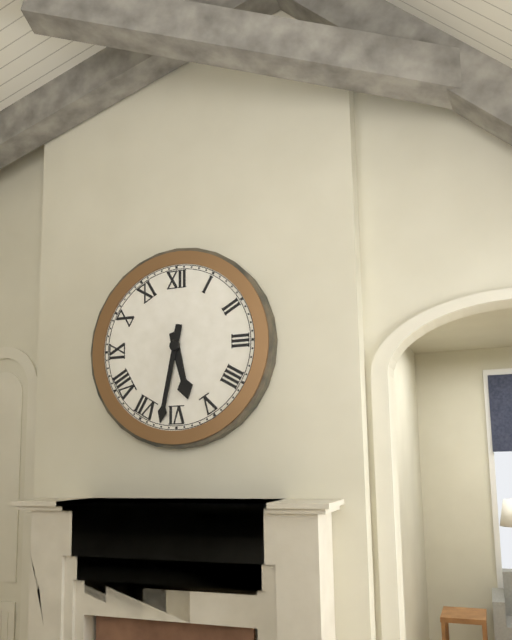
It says 5 h 32 min
